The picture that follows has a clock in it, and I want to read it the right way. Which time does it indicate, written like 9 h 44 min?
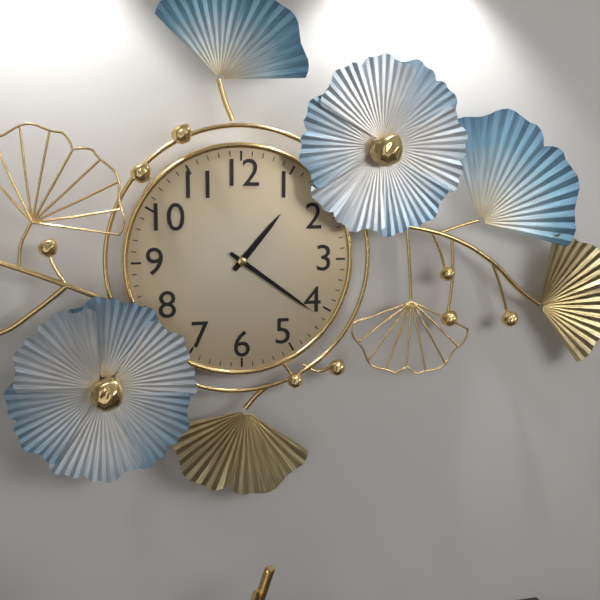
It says 1 h 21 min
